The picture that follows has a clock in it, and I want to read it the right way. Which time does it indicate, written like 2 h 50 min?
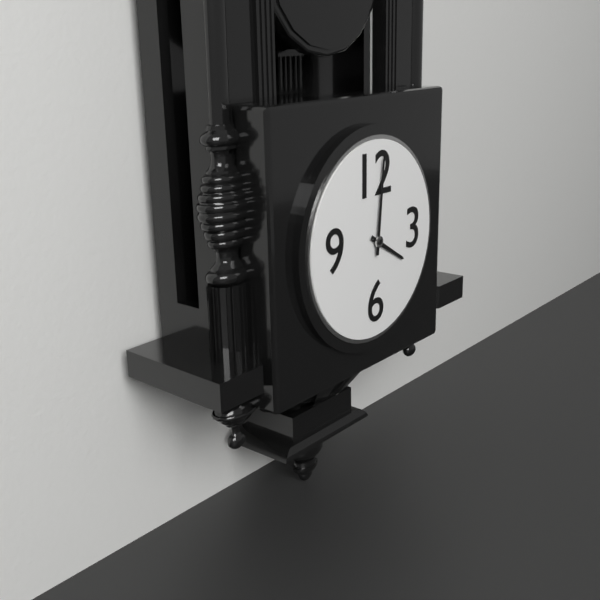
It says 4 h 01 min
